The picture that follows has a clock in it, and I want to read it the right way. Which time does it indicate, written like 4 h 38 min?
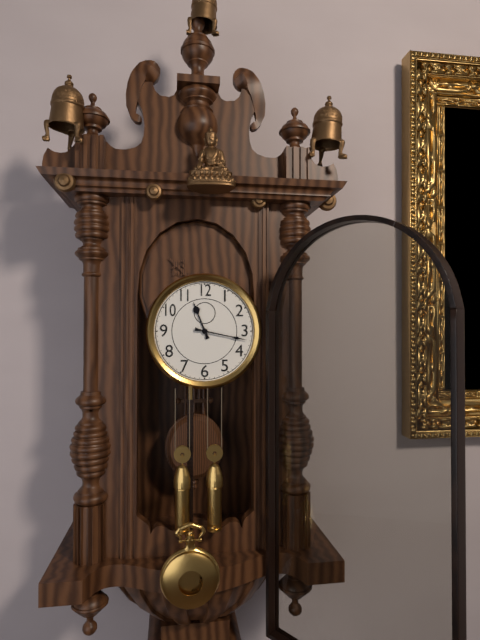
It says 11 h 17 min
